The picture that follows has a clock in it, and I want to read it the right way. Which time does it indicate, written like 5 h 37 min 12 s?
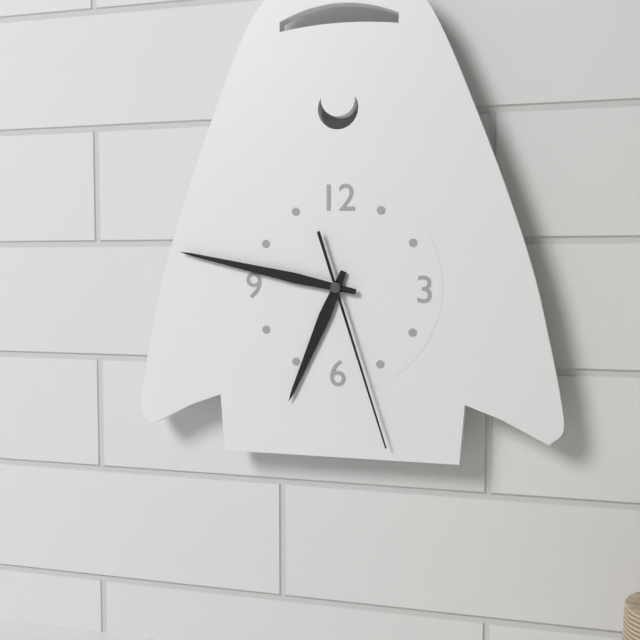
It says 6 h 47 min 27 s
